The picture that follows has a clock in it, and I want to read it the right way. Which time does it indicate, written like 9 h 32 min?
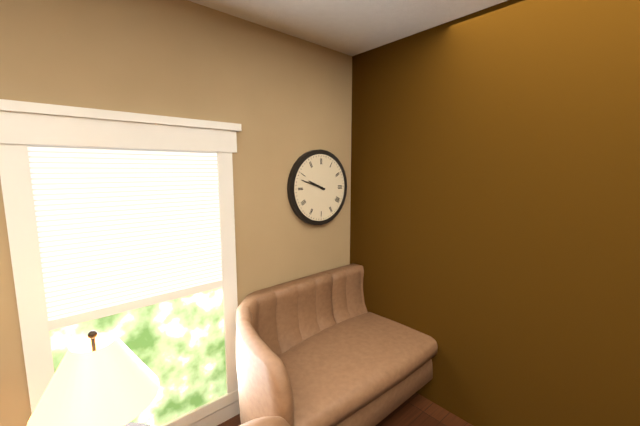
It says 9 h 48 min
